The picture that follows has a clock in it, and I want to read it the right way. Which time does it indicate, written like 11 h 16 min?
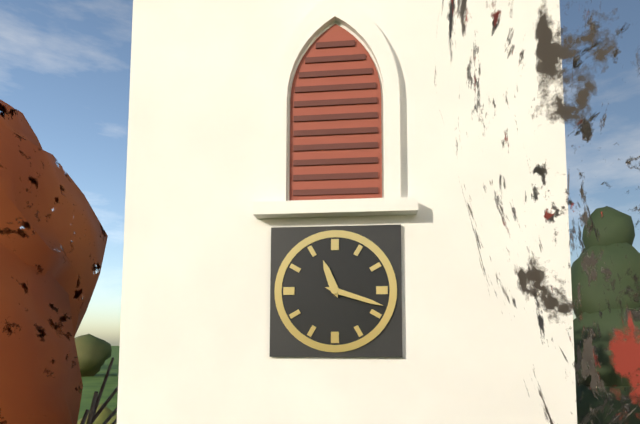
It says 11 h 18 min
